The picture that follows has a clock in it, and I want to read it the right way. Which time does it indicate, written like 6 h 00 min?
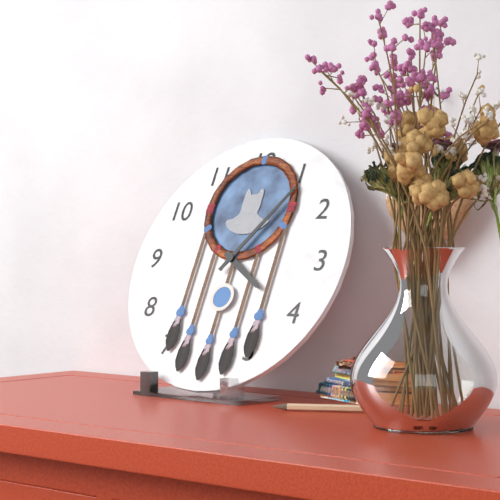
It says 4 h 06 min
